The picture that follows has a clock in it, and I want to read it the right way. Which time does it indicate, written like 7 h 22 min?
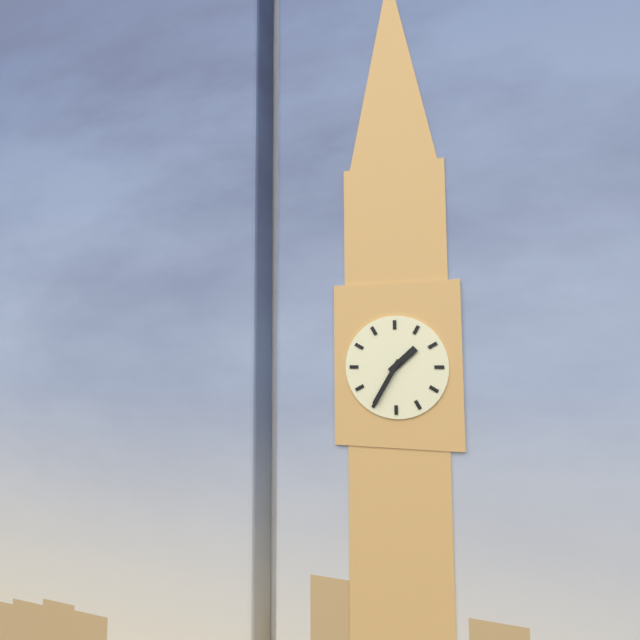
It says 1 h 35 min
